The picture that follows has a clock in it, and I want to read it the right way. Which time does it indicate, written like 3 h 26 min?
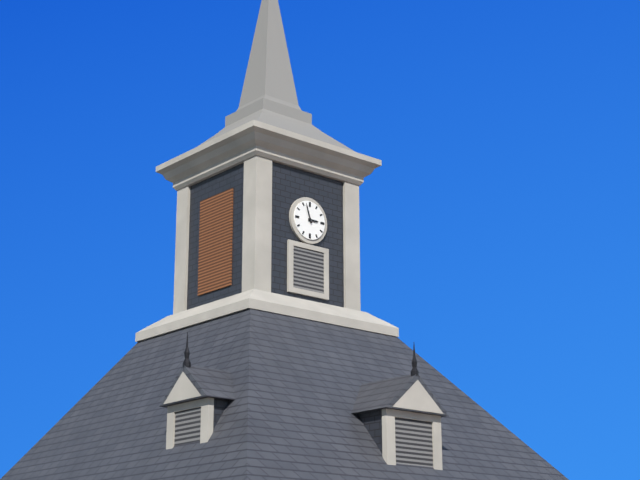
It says 2 h 57 min
